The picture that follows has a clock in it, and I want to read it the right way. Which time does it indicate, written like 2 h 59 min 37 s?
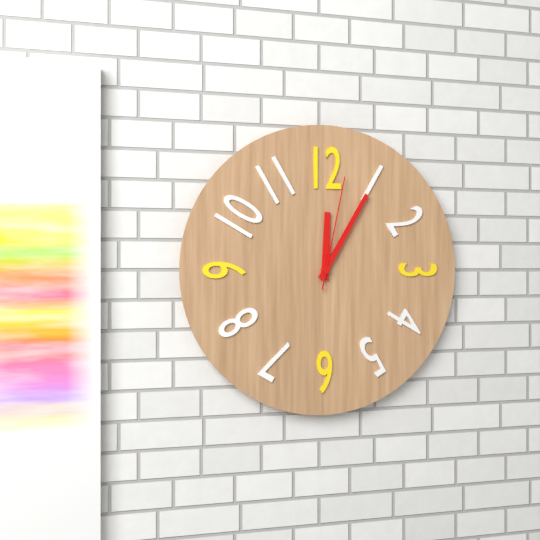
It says 12 h 05 min 02 s
